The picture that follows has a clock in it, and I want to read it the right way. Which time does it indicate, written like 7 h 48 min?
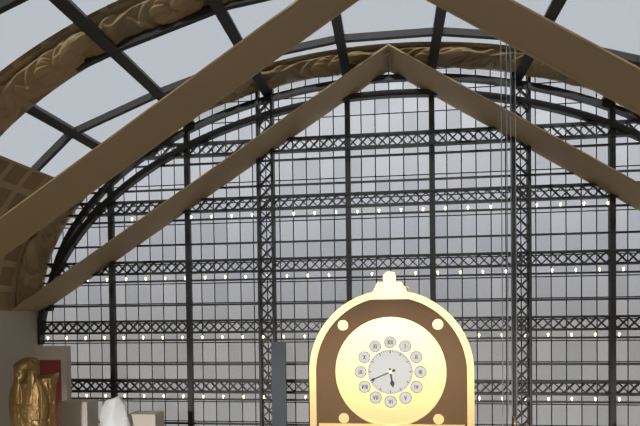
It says 5 h 41 min
